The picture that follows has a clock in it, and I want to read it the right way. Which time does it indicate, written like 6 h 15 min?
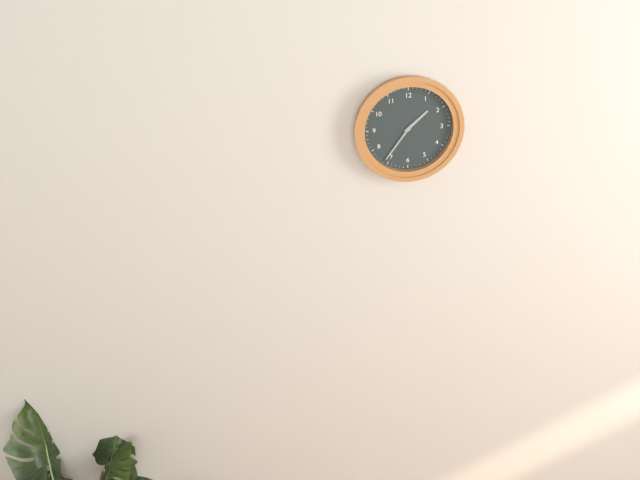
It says 1 h 36 min
